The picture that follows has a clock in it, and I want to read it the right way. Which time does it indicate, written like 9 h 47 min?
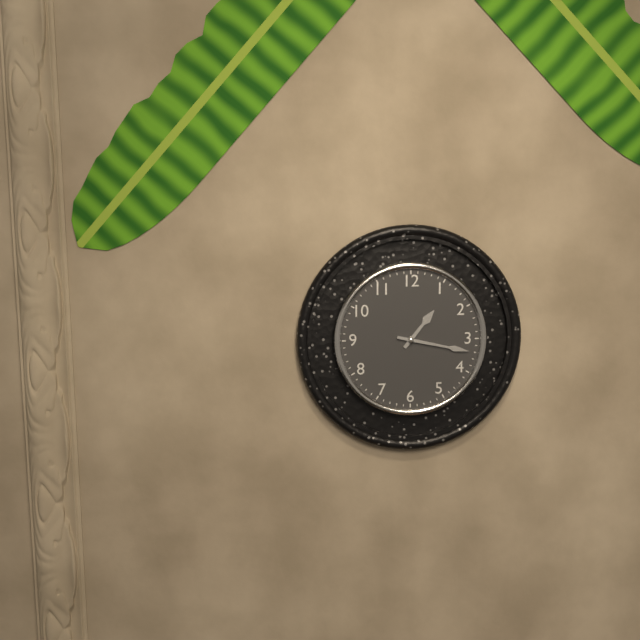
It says 1 h 17 min
